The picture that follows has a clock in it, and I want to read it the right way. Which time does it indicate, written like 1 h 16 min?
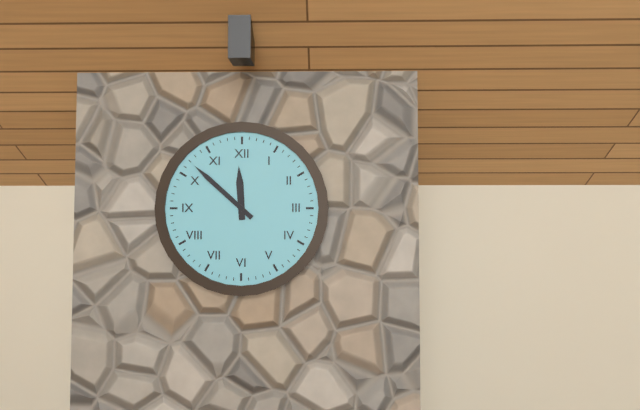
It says 11 h 52 min
